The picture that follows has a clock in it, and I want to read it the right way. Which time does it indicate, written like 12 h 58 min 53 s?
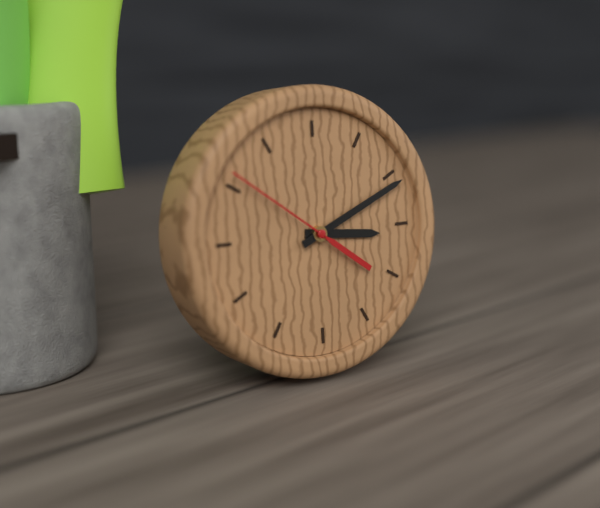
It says 3 h 11 min 51 s
